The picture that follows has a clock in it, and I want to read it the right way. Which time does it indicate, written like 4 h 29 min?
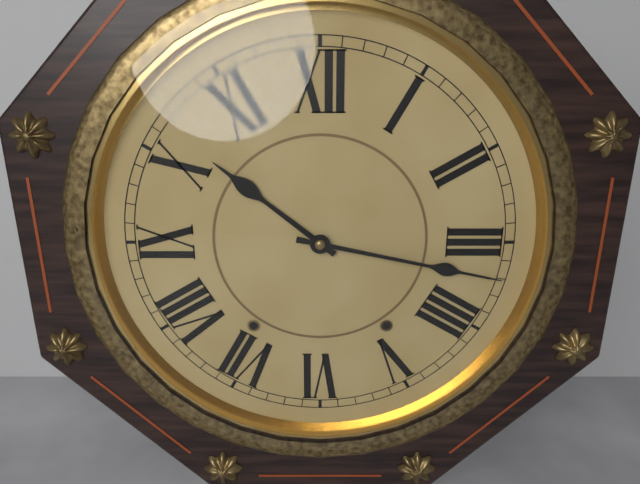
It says 10 h 17 min
